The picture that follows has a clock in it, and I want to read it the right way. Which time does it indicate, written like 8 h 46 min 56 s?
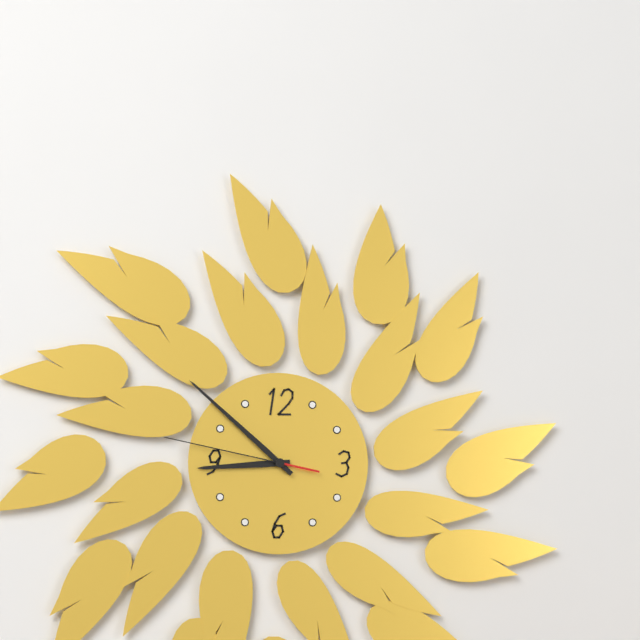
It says 8 h 52 min 47 s
